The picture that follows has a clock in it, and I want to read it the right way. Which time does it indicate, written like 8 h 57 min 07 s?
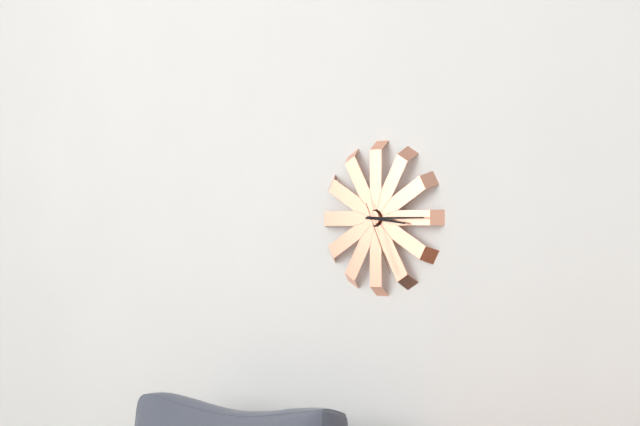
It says 3 h 15 min 26 s
